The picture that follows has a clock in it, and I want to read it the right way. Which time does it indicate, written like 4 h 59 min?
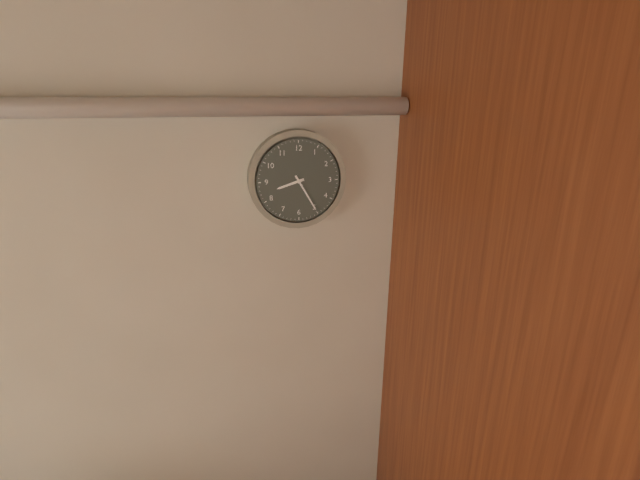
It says 8 h 25 min
